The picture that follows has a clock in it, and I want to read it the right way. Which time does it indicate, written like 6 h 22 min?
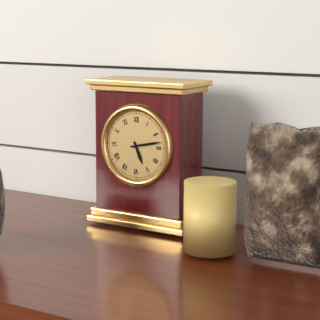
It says 5 h 13 min
